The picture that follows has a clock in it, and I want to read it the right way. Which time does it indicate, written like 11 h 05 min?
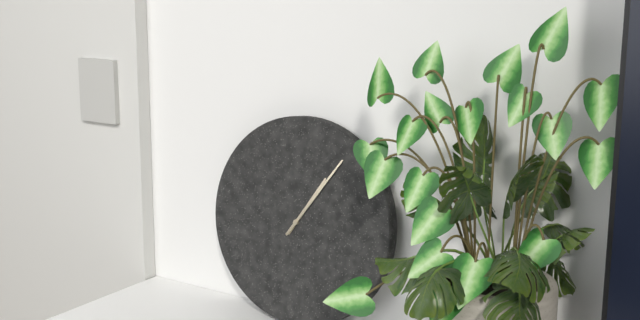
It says 1 h 06 min
